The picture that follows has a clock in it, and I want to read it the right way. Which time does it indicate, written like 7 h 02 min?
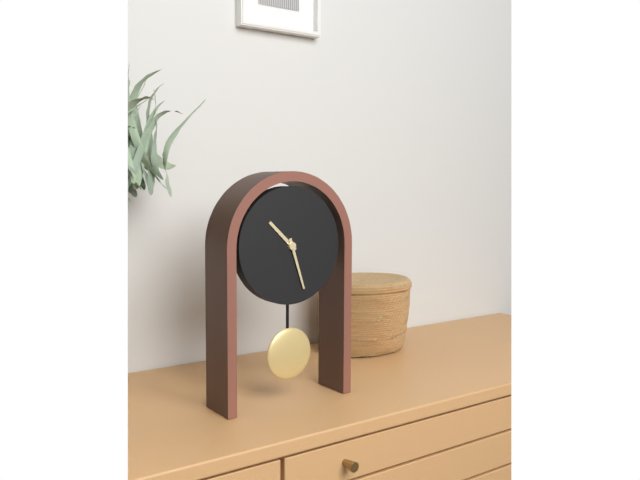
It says 10 h 27 min
